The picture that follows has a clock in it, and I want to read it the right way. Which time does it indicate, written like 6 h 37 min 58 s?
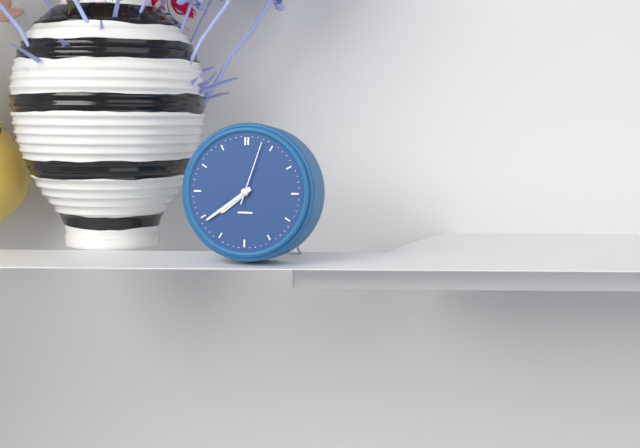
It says 7 h 39 min 03 s
